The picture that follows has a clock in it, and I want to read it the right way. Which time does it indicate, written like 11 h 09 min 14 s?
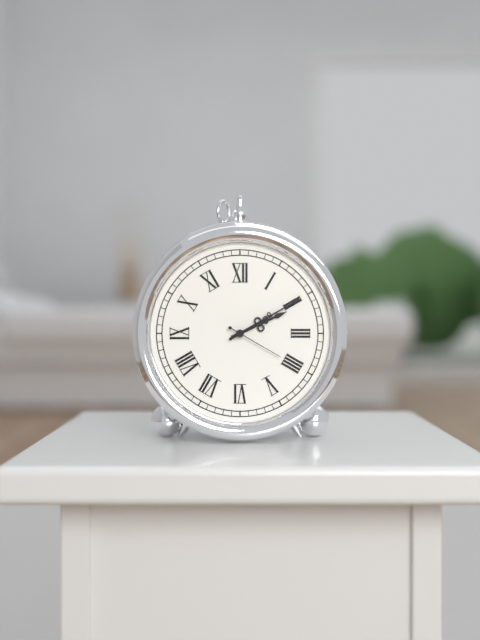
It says 2 h 10 min 20 s
